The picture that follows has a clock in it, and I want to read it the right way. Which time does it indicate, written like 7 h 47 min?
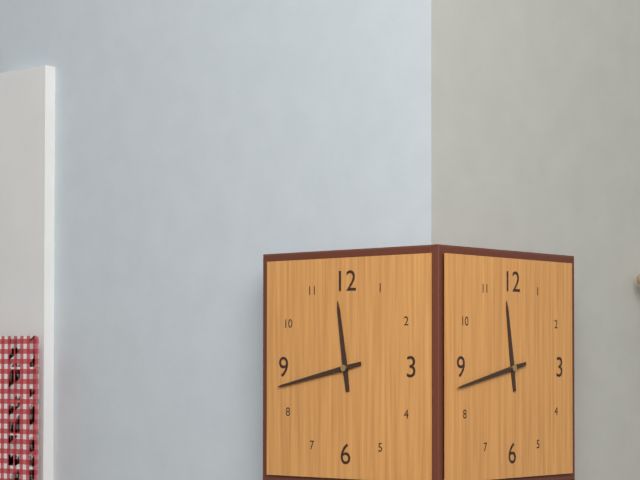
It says 11 h 43 min
